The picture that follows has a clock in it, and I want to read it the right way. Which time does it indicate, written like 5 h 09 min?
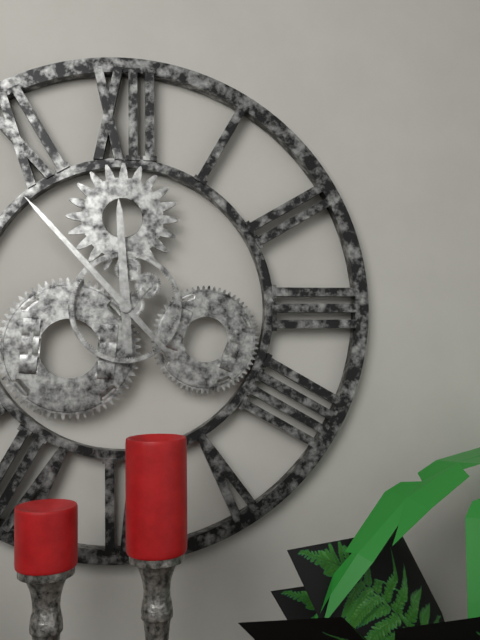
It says 11 h 53 min
